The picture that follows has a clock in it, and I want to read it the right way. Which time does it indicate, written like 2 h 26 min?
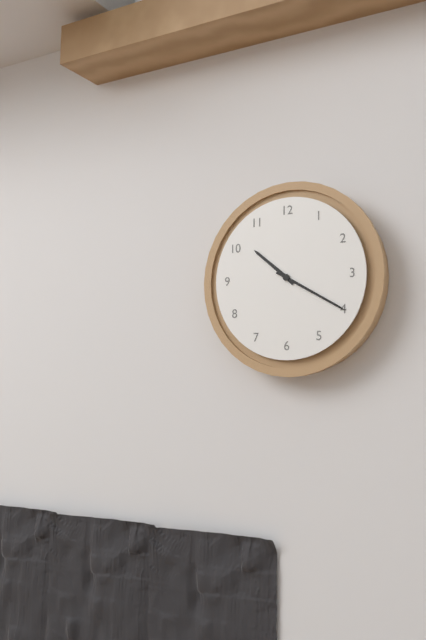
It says 10 h 20 min
